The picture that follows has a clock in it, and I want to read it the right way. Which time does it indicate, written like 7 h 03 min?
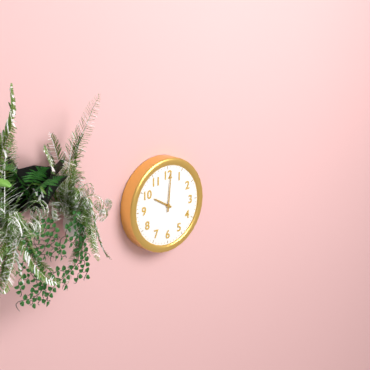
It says 10 h 01 min
